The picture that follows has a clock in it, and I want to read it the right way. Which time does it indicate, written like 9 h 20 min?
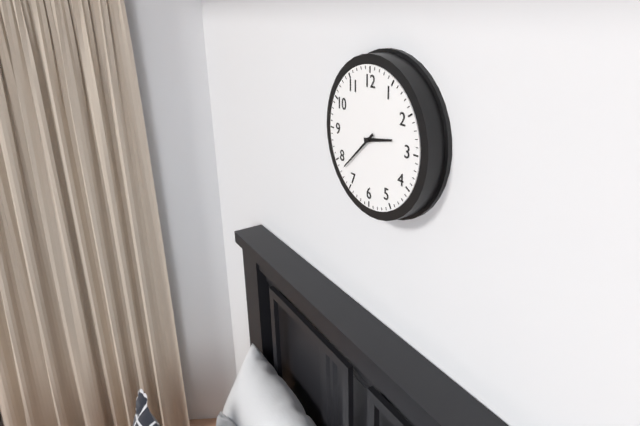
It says 2 h 38 min
